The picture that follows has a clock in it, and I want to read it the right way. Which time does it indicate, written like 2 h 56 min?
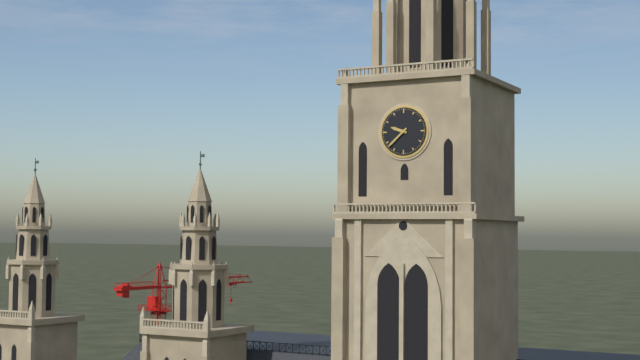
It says 9 h 38 min
